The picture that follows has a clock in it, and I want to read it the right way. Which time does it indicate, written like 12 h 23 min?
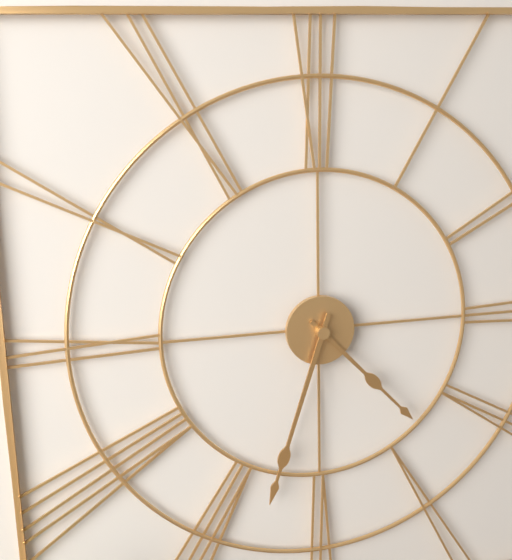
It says 4 h 33 min
